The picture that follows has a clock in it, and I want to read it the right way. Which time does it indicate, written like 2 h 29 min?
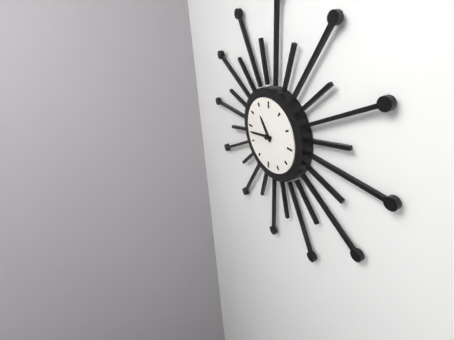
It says 10 h 43 min
